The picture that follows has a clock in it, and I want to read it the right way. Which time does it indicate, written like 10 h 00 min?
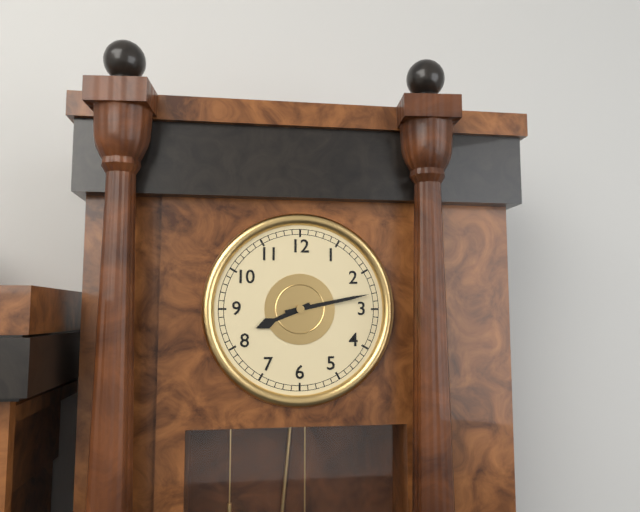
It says 8 h 13 min
